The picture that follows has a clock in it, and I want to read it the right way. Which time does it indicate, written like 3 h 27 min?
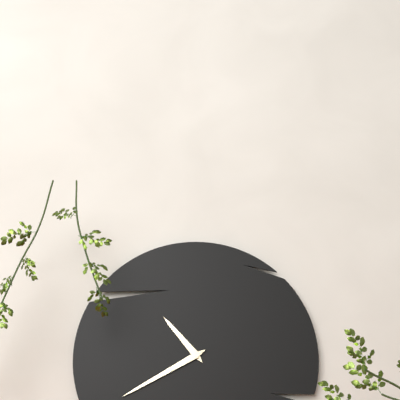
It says 10 h 40 min
